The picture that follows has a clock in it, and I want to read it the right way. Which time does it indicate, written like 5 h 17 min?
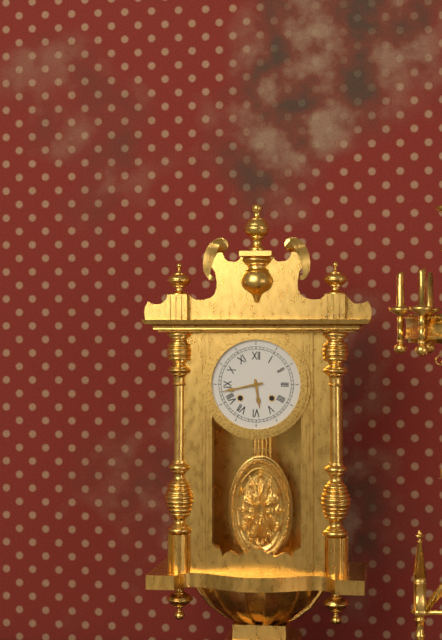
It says 5 h 43 min
